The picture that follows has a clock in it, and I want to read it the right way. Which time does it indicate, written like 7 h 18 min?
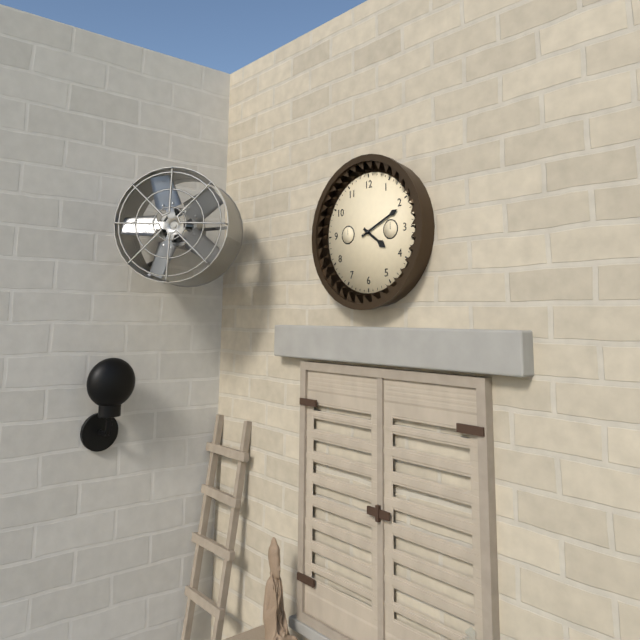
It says 4 h 11 min
